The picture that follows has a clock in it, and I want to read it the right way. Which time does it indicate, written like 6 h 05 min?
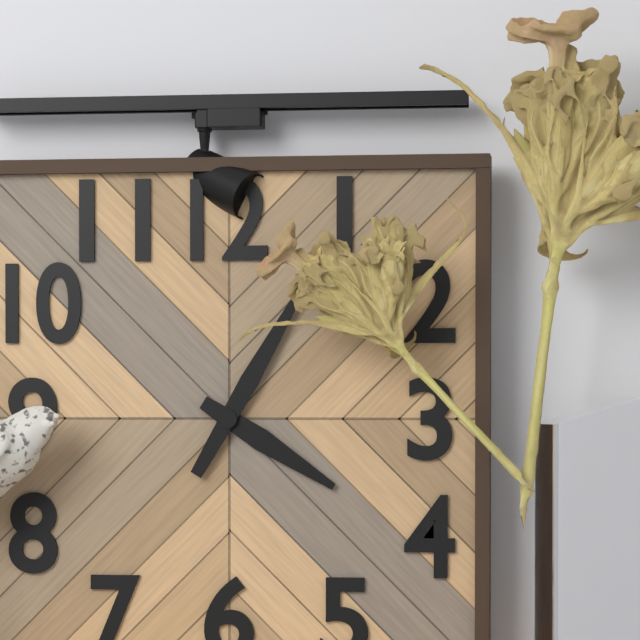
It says 4 h 05 min
